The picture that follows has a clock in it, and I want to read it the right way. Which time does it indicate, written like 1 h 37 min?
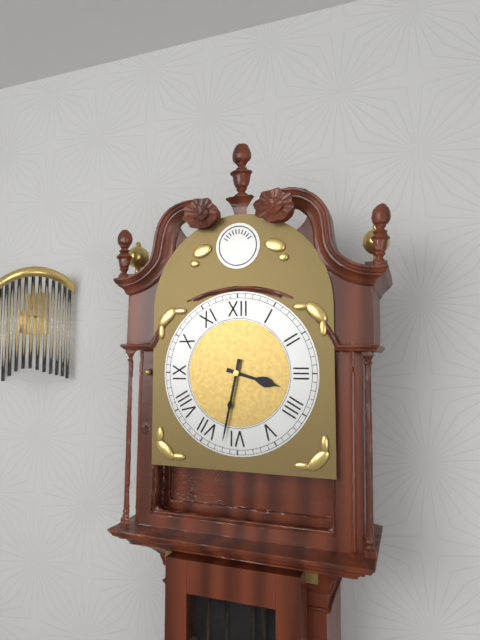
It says 3 h 32 min
